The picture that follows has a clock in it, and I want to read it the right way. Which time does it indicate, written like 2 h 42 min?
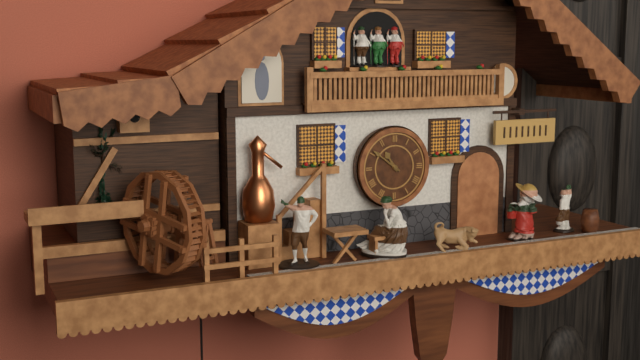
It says 10 h 51 min
